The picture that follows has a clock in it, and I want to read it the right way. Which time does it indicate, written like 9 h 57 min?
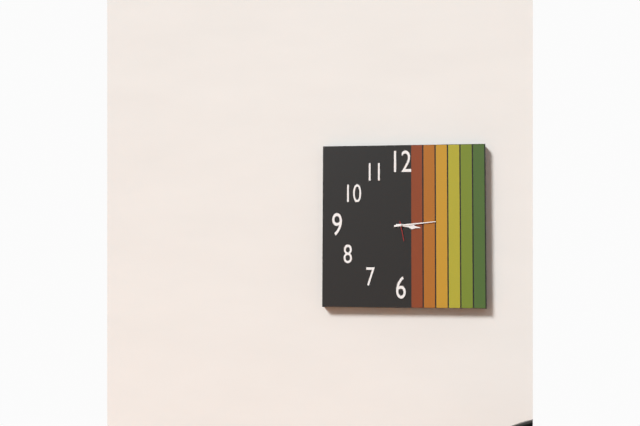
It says 3 h 14 min
